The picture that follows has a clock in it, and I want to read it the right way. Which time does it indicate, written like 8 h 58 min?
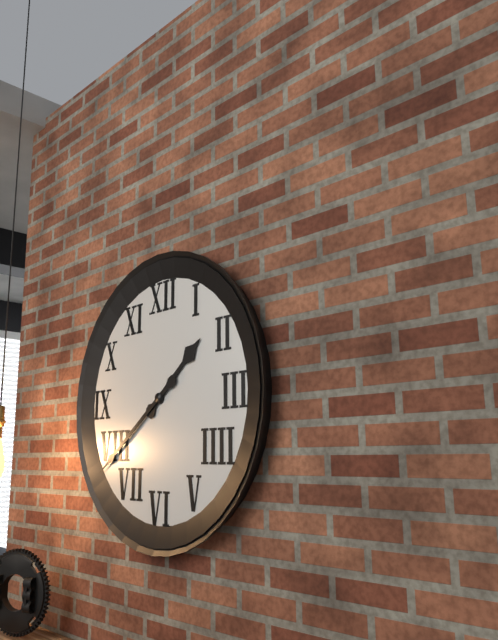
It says 1 h 39 min
